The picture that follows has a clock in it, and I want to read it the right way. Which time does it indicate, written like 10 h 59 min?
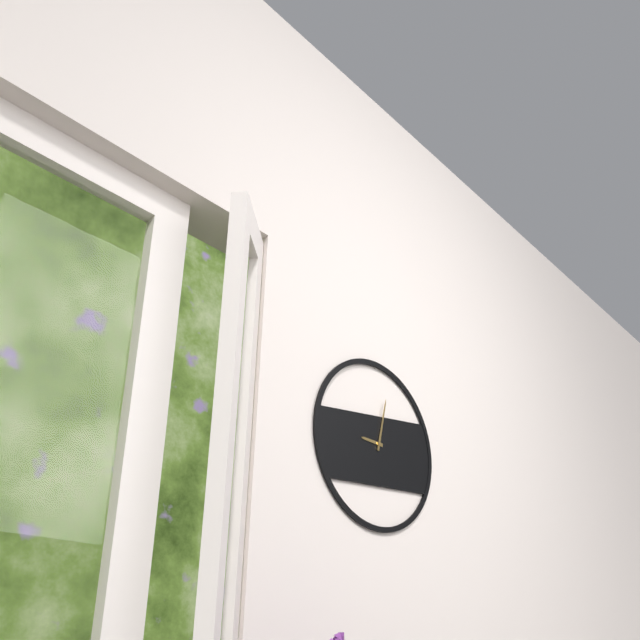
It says 9 h 02 min
